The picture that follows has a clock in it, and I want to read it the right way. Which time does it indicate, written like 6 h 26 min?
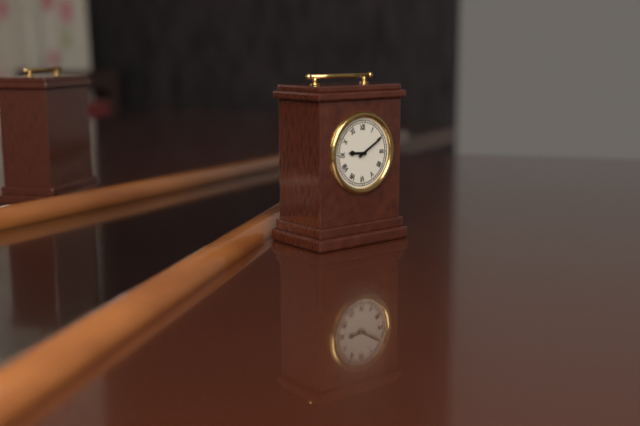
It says 9 h 10 min
